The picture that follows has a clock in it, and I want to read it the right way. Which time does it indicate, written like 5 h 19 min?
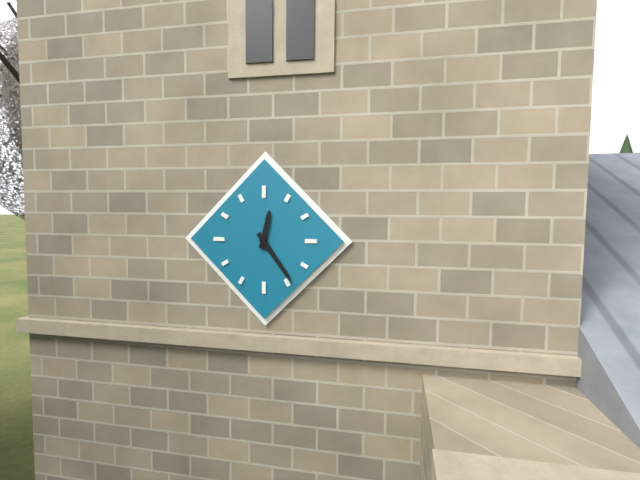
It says 12 h 24 min
